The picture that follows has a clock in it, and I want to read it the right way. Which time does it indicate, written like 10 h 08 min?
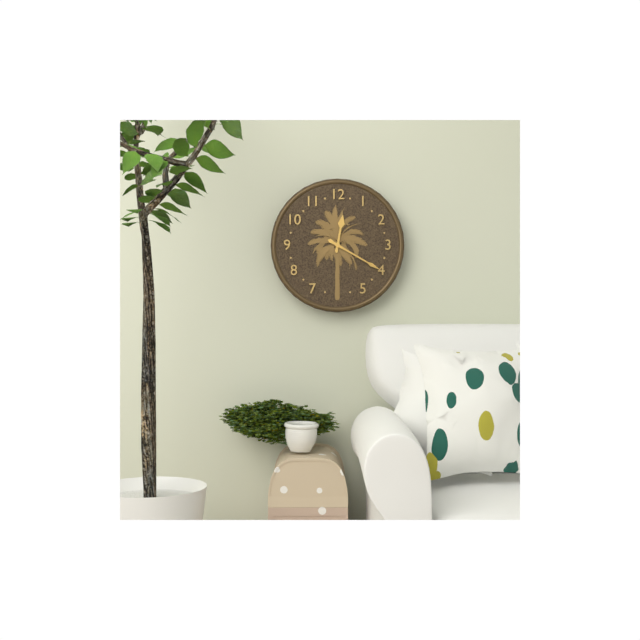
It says 12 h 20 min
